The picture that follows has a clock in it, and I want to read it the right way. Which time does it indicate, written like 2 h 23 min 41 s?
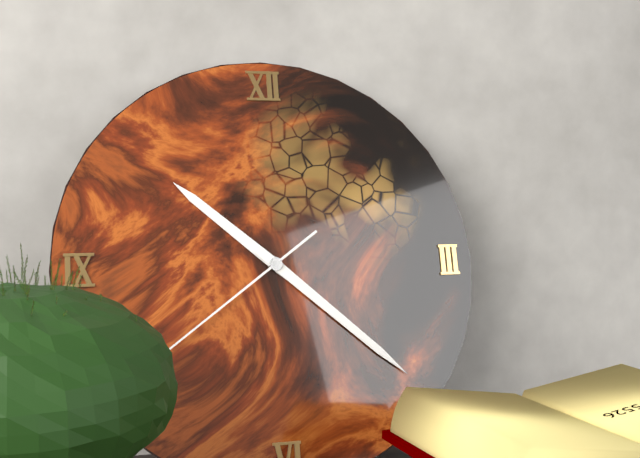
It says 10 h 22 min 39 s
